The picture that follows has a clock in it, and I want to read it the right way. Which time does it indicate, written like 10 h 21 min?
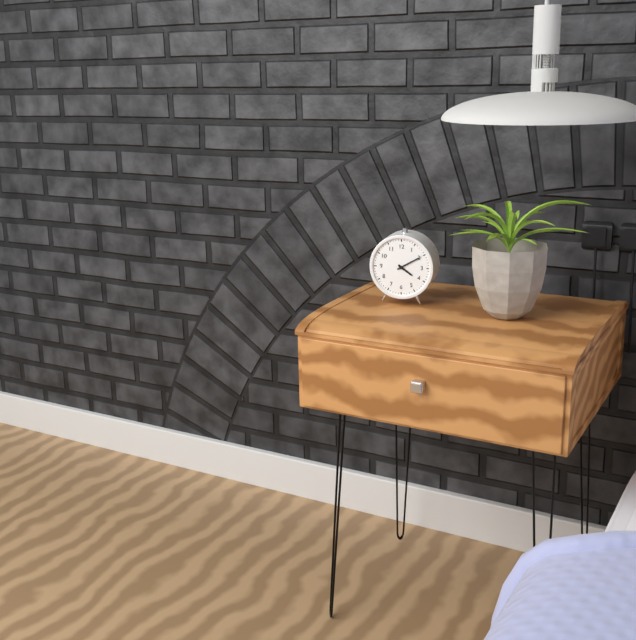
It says 4 h 10 min
